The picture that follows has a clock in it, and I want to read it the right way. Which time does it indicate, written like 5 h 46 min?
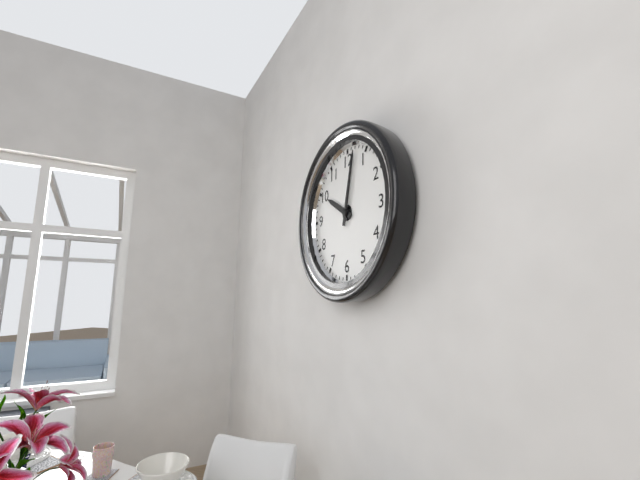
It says 10 h 02 min
